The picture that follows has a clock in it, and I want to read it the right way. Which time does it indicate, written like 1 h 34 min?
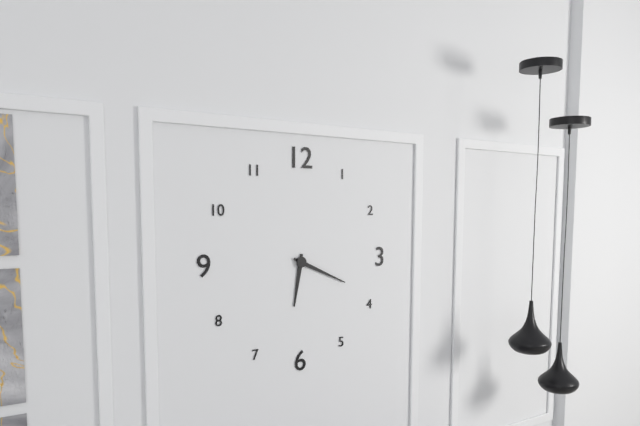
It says 6 h 19 min
